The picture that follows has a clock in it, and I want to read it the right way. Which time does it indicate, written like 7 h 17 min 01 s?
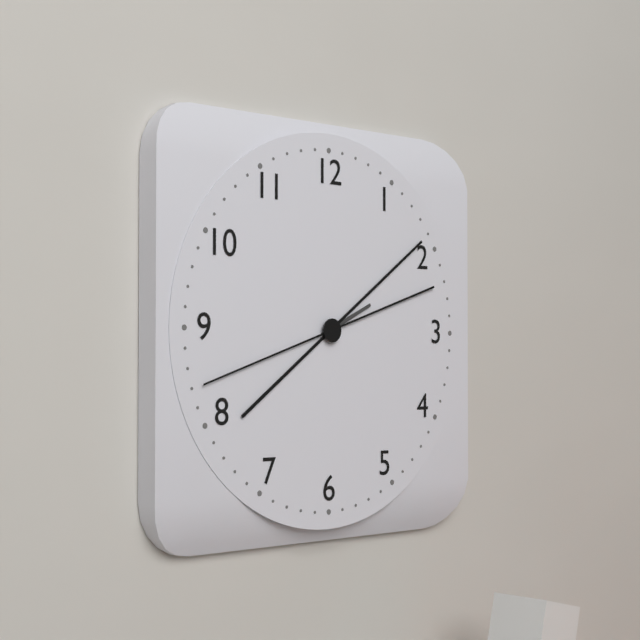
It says 2 h 09 min 42 s
